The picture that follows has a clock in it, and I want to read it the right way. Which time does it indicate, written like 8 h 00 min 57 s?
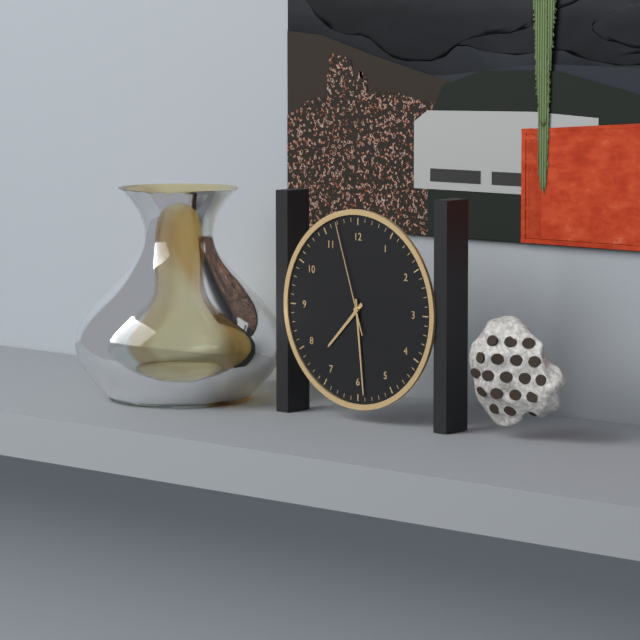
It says 7 h 29 min 57 s
